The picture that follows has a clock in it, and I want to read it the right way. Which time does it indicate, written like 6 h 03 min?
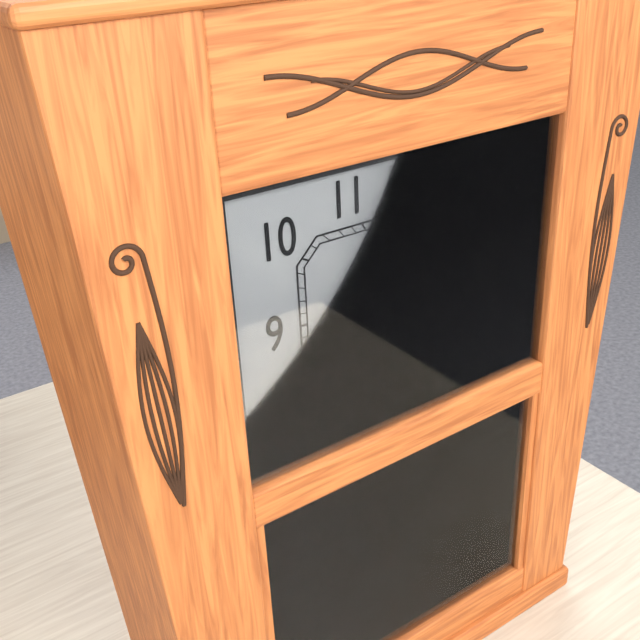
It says 1 h 00 min
